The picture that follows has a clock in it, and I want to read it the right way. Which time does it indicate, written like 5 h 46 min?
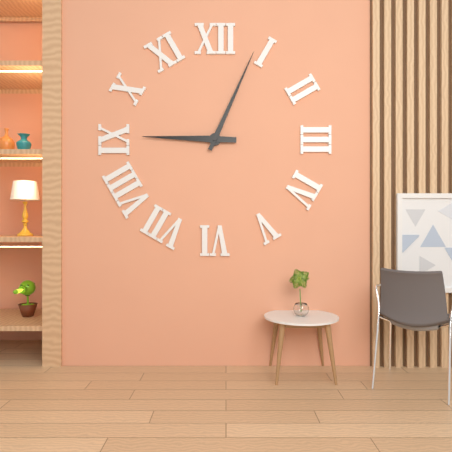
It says 9 h 04 min
